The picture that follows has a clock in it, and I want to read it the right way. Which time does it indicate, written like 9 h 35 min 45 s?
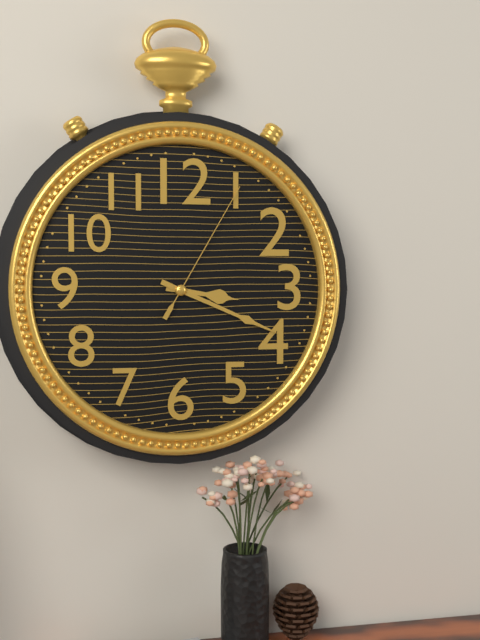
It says 3 h 19 min 05 s
